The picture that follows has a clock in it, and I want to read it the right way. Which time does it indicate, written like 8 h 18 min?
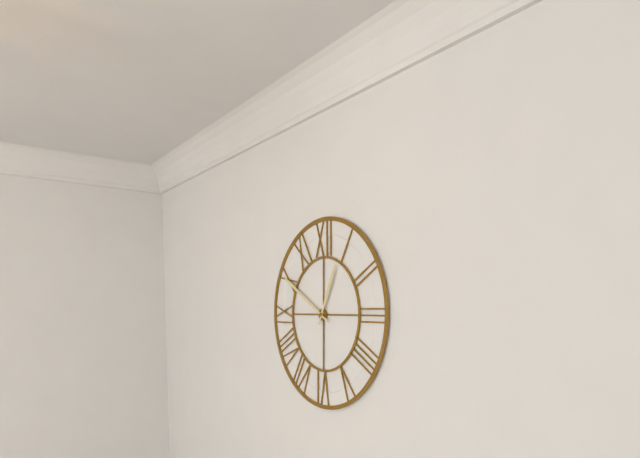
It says 12 h 50 min
